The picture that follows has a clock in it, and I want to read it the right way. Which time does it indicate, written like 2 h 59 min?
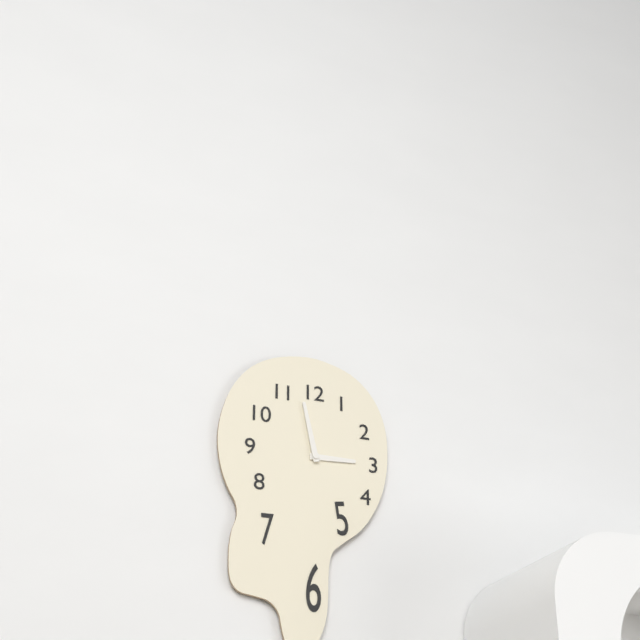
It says 2 h 58 min
